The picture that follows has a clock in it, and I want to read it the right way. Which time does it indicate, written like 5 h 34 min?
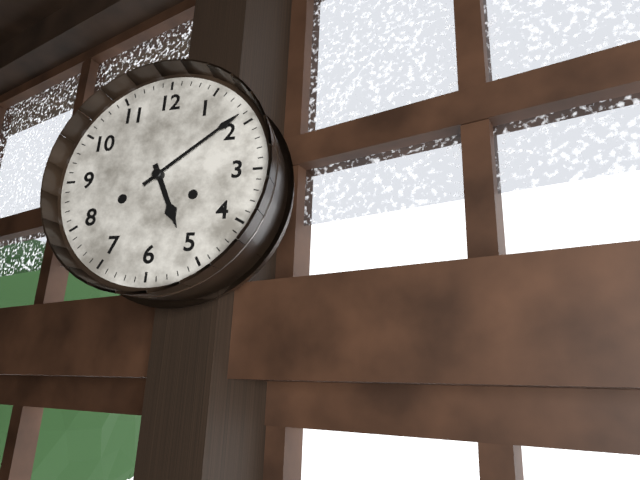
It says 5 h 09 min
